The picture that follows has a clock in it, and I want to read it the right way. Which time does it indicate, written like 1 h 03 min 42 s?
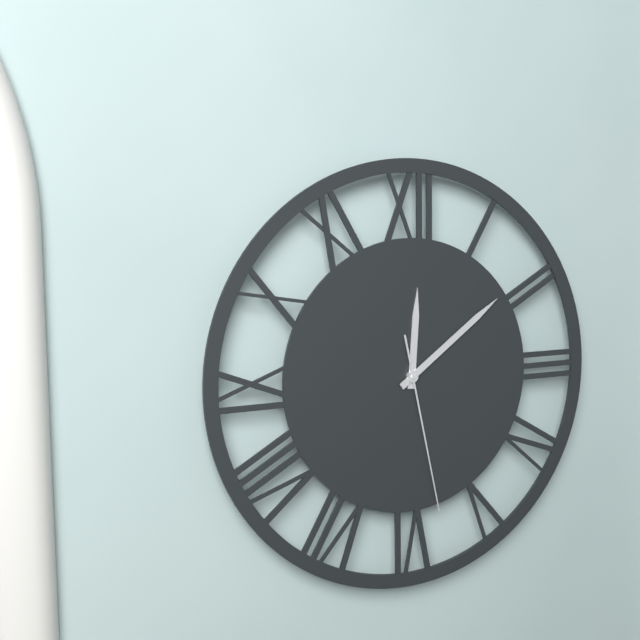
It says 12 h 09 min 28 s
